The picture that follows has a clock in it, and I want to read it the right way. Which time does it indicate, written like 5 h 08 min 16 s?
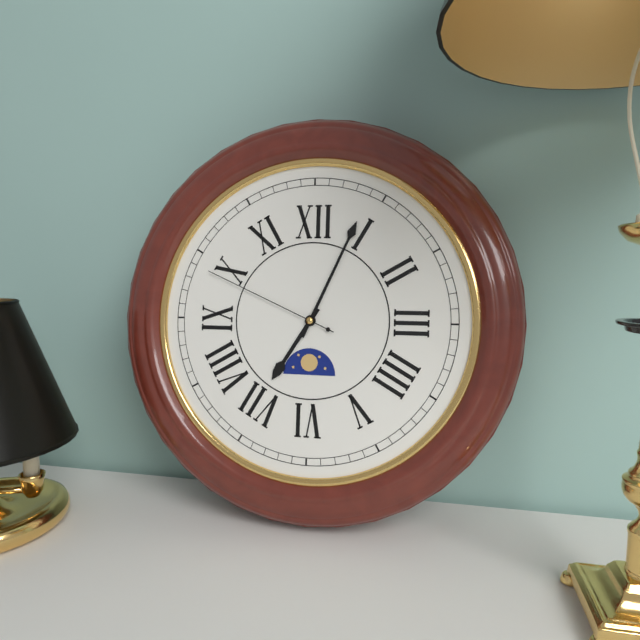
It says 7 h 04 min 49 s
